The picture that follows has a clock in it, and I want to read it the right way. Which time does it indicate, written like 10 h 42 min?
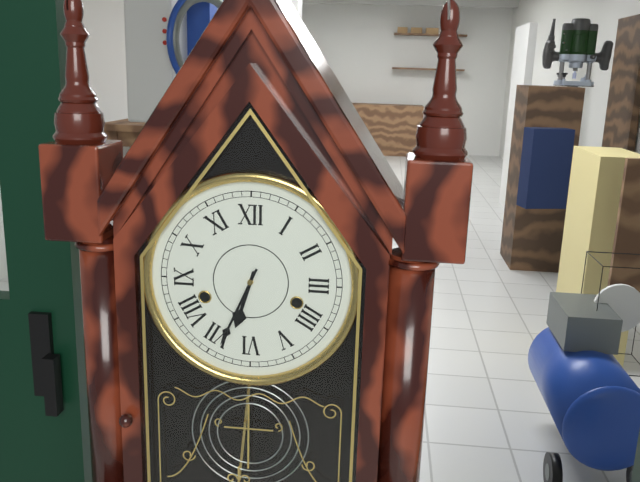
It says 6 h 34 min
